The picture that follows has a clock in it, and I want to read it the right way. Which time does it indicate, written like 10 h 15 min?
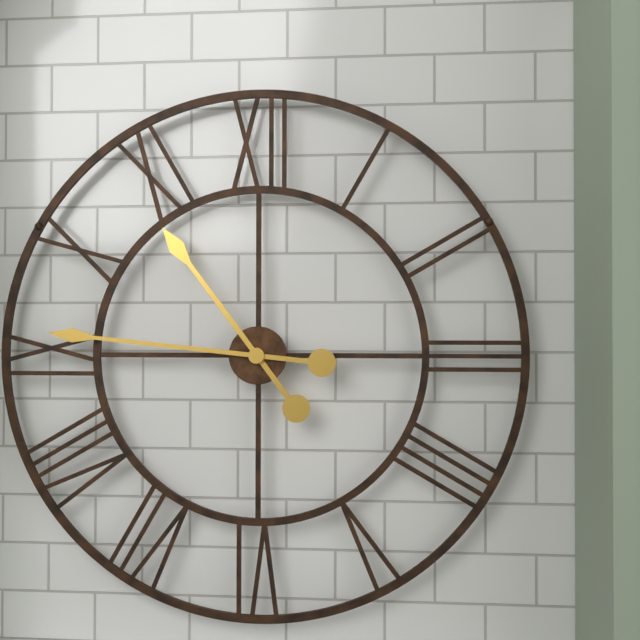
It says 10 h 46 min
